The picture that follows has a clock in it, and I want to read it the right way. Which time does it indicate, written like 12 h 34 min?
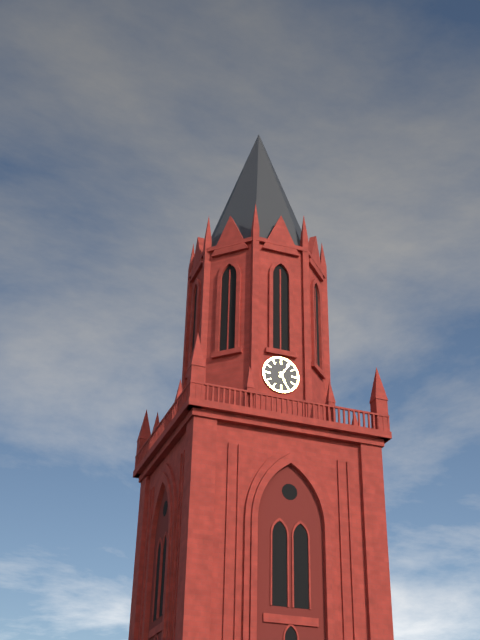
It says 5 h 06 min
